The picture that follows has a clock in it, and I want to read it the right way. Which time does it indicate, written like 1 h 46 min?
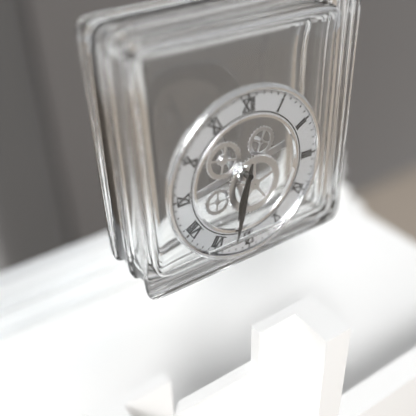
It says 6 h 32 min
